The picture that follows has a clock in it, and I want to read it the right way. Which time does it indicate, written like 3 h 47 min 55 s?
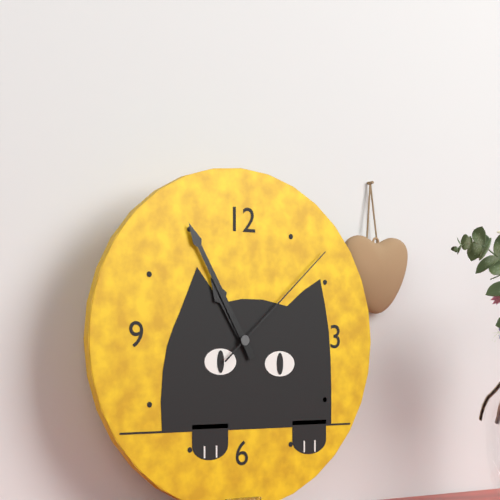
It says 10 h 55 min 08 s
